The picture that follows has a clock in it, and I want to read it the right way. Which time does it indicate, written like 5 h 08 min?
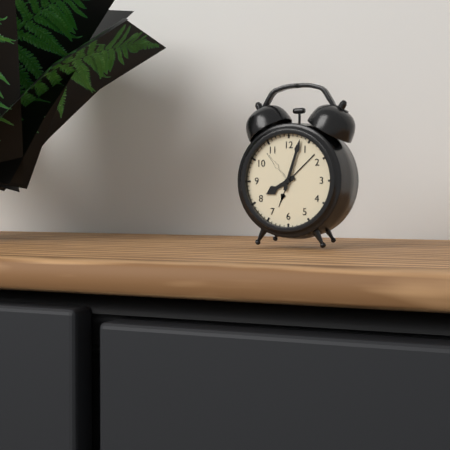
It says 8 h 03 min
